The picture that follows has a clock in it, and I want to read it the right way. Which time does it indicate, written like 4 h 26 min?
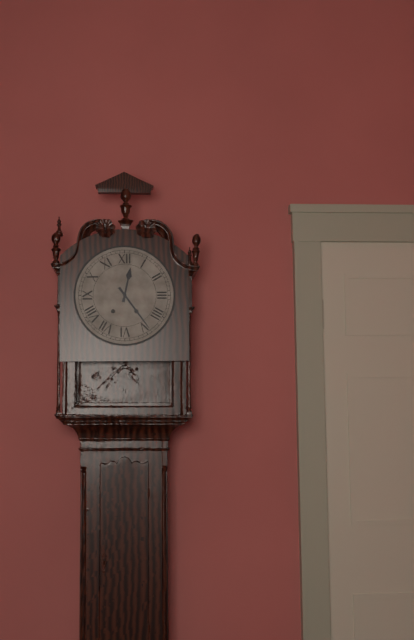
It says 12 h 24 min
